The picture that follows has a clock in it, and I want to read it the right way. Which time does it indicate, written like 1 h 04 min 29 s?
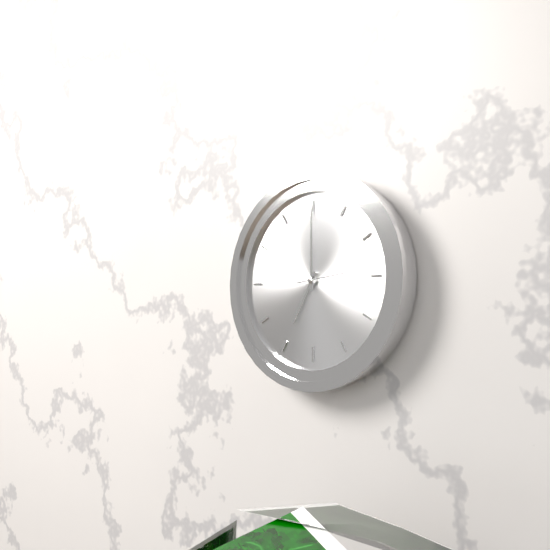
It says 7 h 00 min 14 s
